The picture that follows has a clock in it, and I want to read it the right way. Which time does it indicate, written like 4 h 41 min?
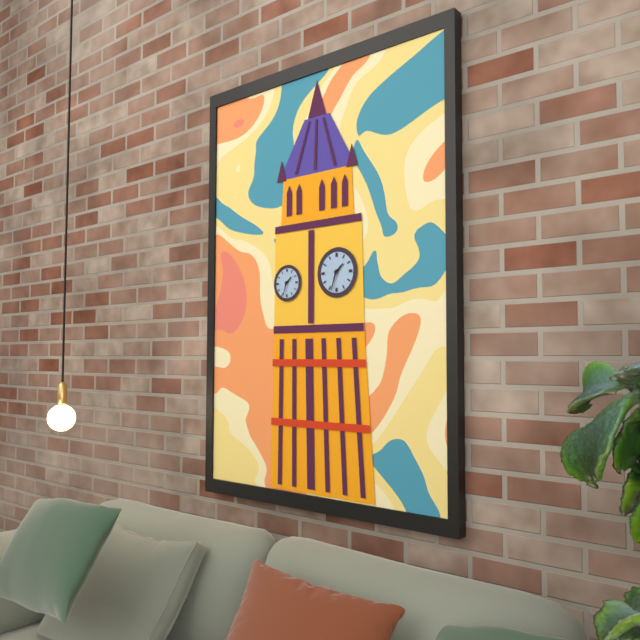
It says 1 h 33 min
